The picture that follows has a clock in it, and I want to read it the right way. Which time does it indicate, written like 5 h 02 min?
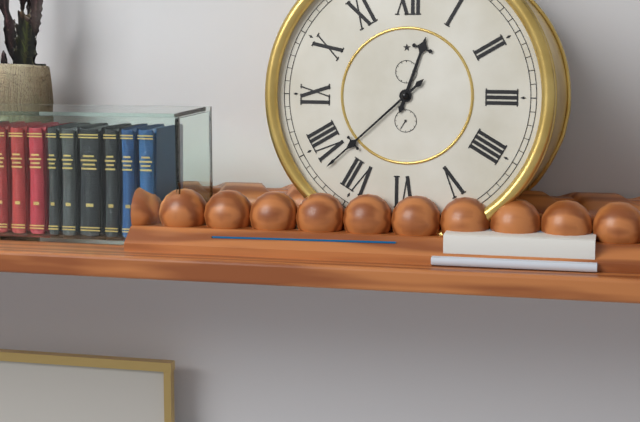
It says 12 h 38 min
